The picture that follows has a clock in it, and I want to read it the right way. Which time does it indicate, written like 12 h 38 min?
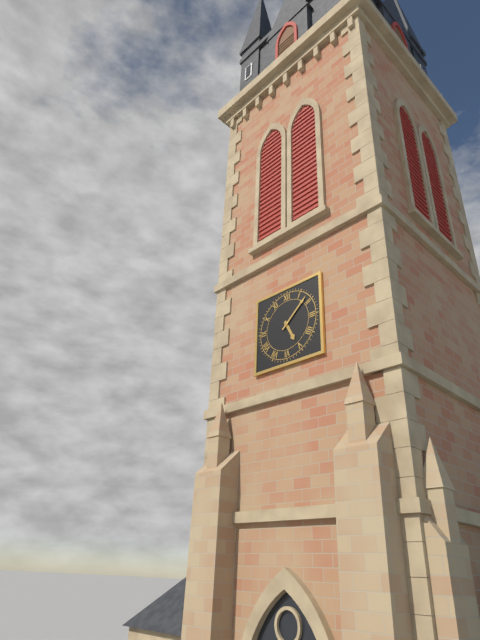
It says 5 h 08 min
